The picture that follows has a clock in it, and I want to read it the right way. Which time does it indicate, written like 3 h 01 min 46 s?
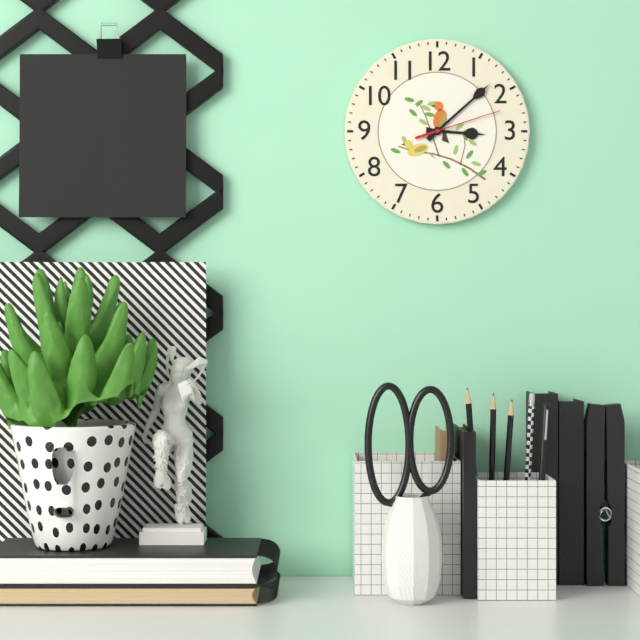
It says 3 h 08 min 12 s
